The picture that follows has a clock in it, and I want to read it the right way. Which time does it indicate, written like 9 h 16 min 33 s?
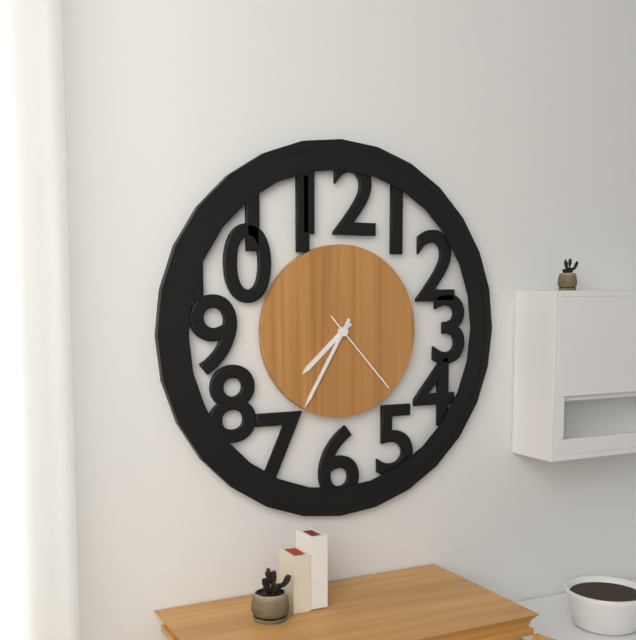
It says 7 h 35 min 23 s
